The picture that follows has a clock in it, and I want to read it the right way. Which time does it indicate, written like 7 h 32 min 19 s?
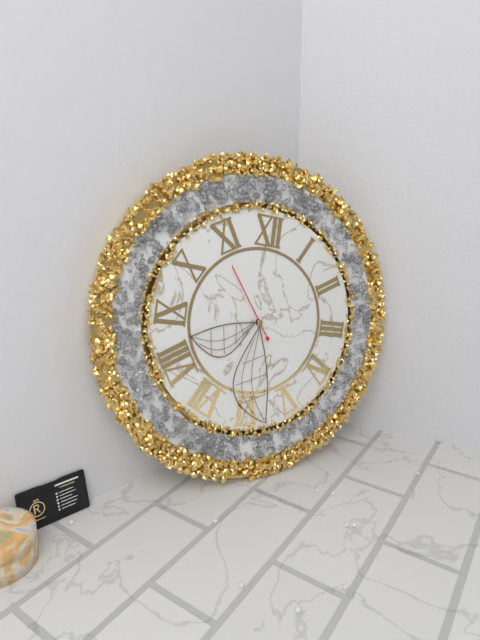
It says 8 h 28 min 54 s
